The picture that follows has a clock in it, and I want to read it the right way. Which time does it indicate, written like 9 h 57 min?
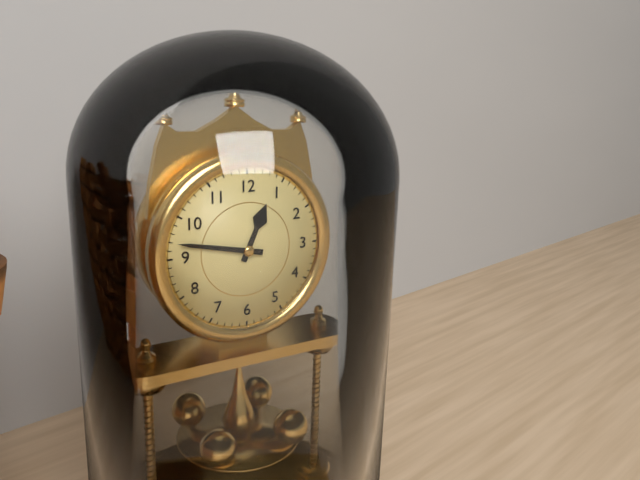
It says 12 h 47 min
